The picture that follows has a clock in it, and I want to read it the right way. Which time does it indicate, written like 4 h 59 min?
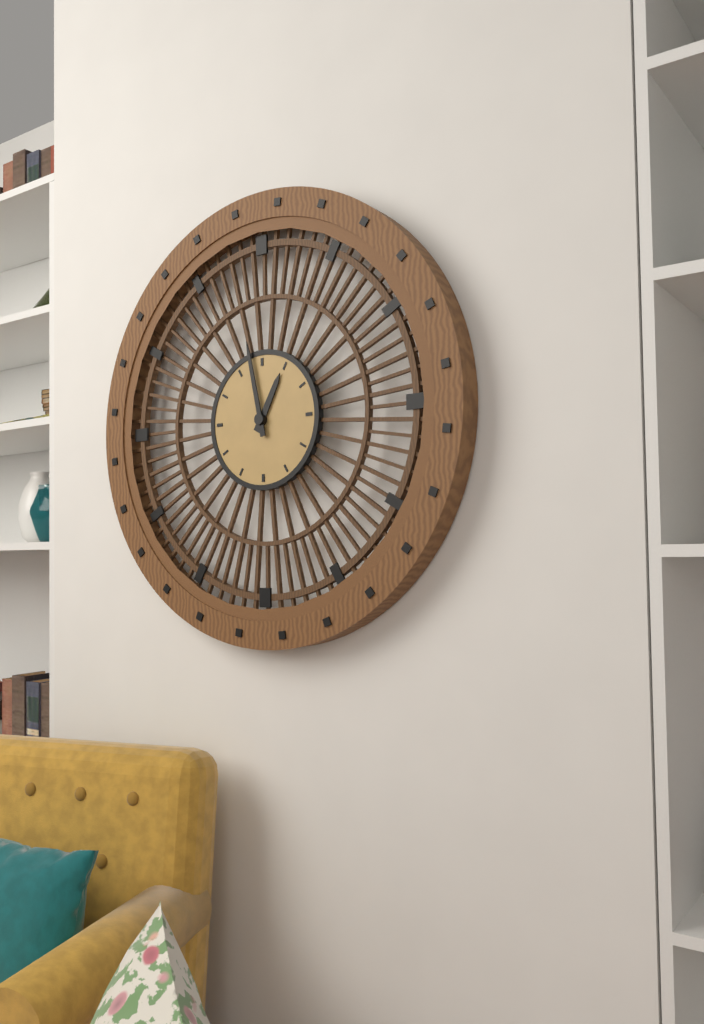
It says 12 h 58 min
